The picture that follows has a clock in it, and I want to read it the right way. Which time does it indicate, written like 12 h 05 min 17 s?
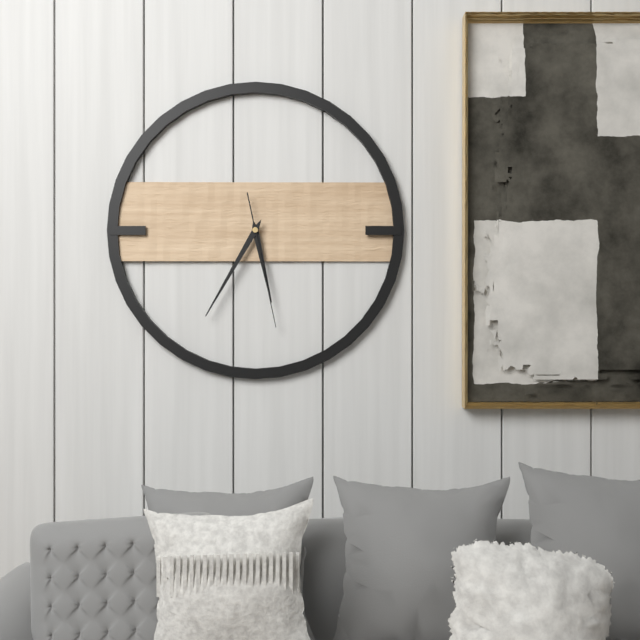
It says 5 h 35 min 28 s
